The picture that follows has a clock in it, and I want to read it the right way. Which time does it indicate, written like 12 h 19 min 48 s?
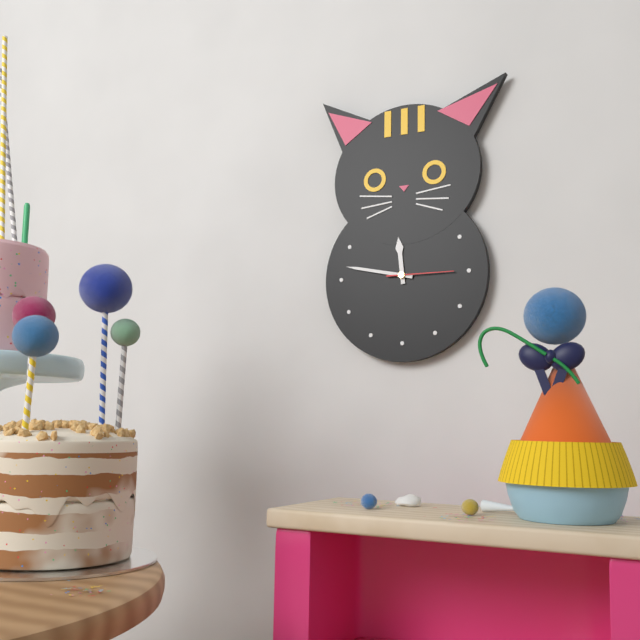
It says 11 h 47 min 15 s
